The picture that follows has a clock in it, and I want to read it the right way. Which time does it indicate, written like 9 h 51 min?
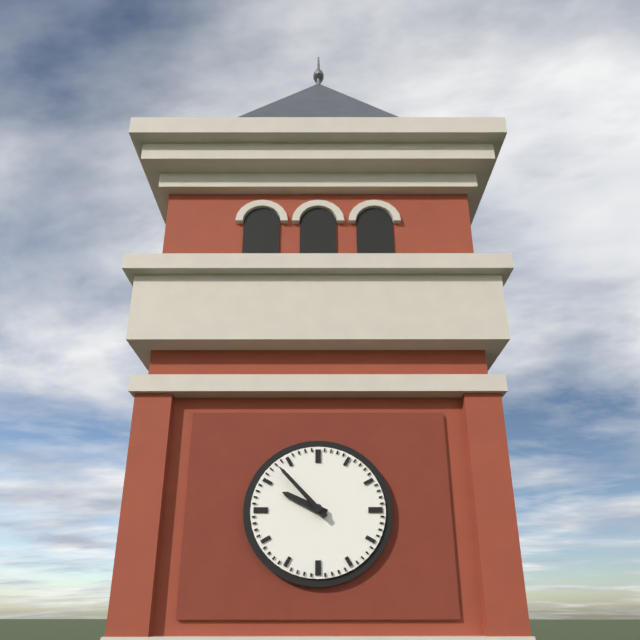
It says 9 h 53 min
